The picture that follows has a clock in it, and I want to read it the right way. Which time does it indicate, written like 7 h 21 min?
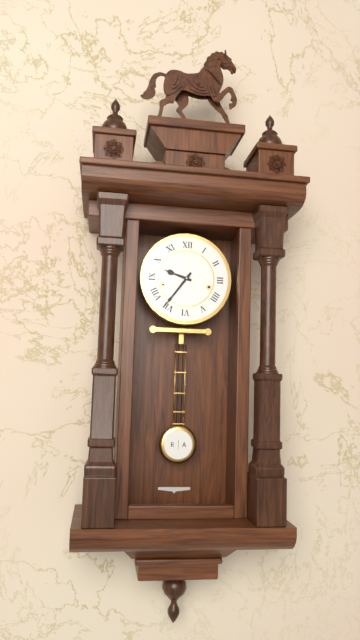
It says 9 h 36 min
